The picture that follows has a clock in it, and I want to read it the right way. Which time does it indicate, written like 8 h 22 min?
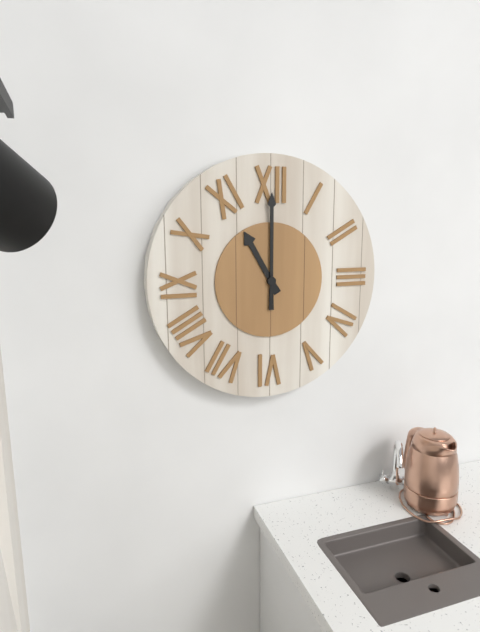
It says 11 h 00 min
